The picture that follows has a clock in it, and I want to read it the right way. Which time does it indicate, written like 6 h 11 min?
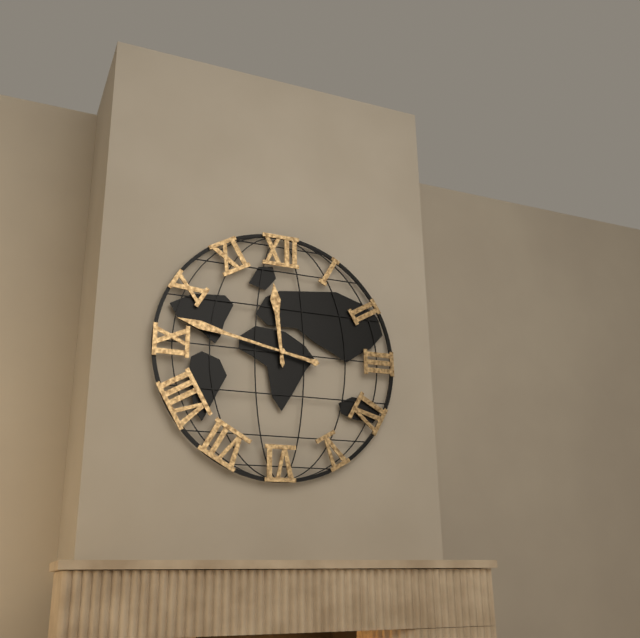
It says 11 h 47 min
